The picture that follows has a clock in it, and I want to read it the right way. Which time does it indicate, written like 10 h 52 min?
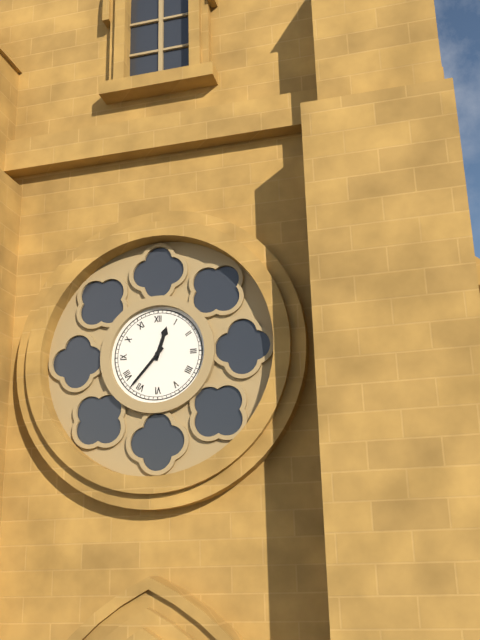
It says 12 h 37 min
